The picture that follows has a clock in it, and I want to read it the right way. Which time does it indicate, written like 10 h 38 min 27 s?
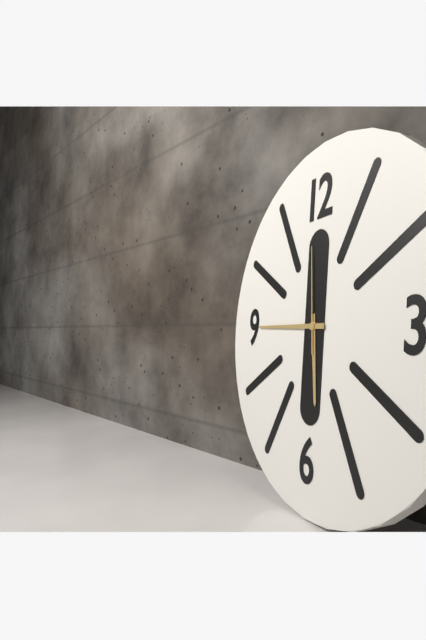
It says 5 h 45 min 59 s
